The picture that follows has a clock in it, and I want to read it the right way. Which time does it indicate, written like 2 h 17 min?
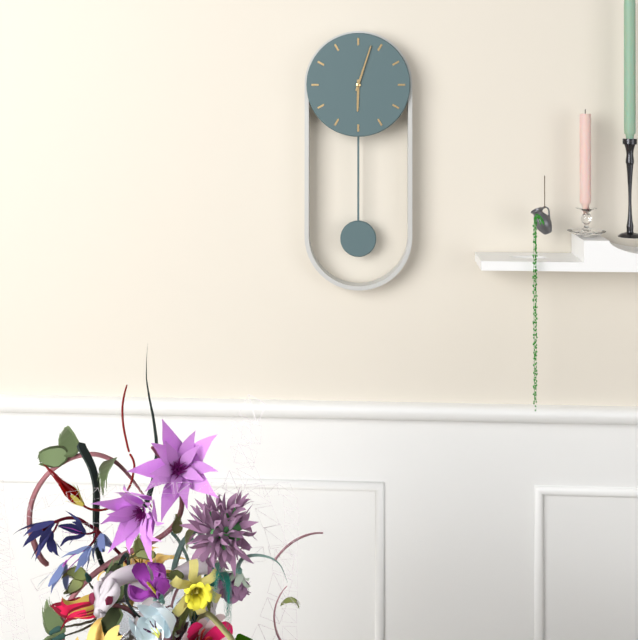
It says 6 h 03 min
